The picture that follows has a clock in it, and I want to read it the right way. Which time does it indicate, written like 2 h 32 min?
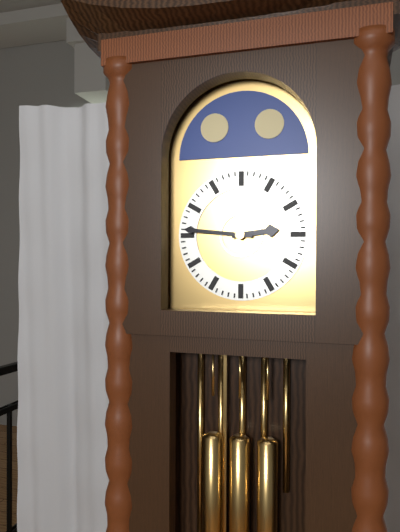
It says 2 h 46 min
